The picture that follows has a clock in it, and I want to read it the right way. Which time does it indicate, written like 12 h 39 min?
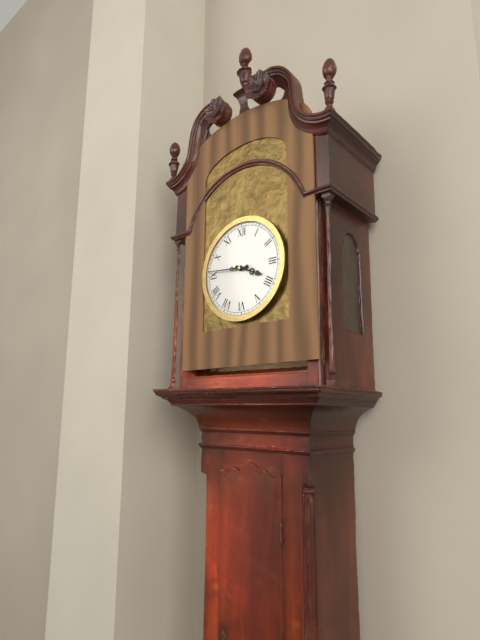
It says 3 h 46 min
